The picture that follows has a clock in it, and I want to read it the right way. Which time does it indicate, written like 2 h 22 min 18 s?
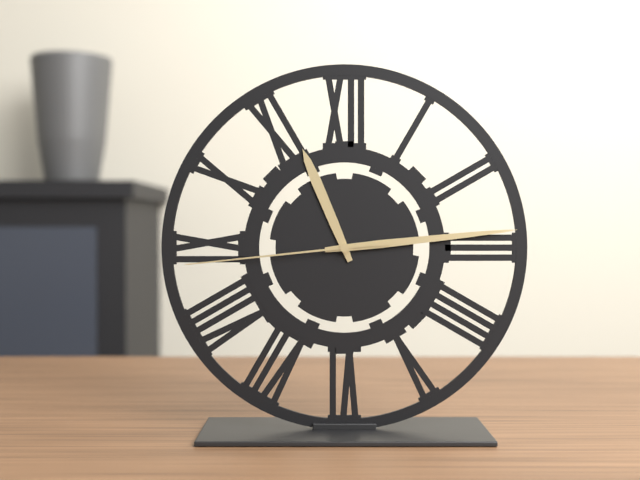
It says 11 h 14 min 44 s
